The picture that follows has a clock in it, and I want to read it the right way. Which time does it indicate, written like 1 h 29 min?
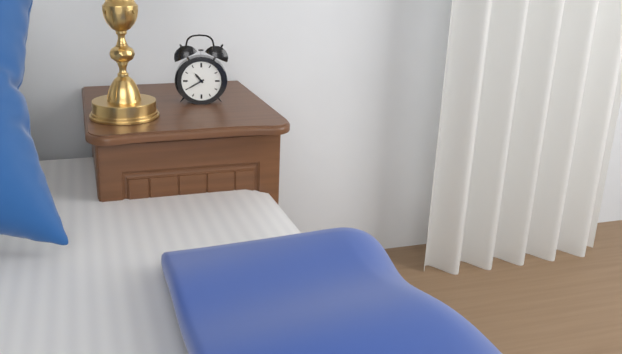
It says 10 h 40 min
